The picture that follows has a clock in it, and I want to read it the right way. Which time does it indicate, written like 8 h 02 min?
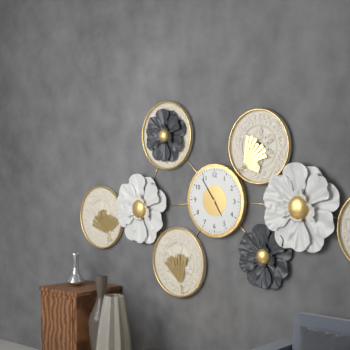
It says 4 h 54 min
